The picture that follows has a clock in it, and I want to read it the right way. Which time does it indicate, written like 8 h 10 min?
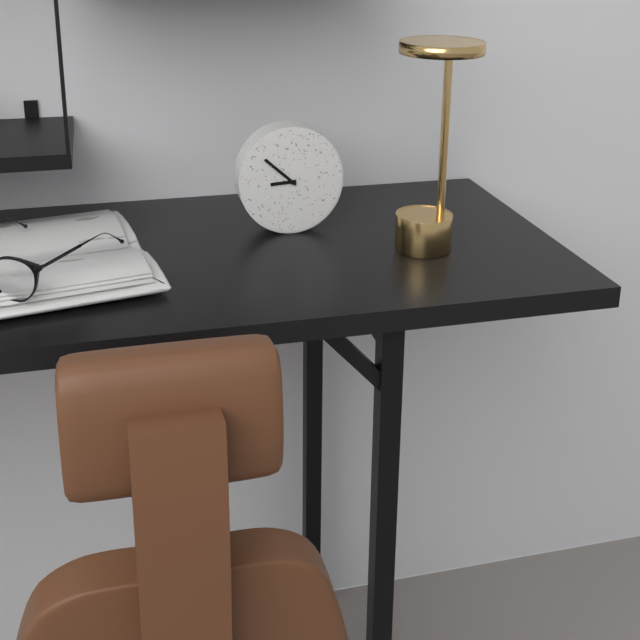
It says 8 h 52 min
